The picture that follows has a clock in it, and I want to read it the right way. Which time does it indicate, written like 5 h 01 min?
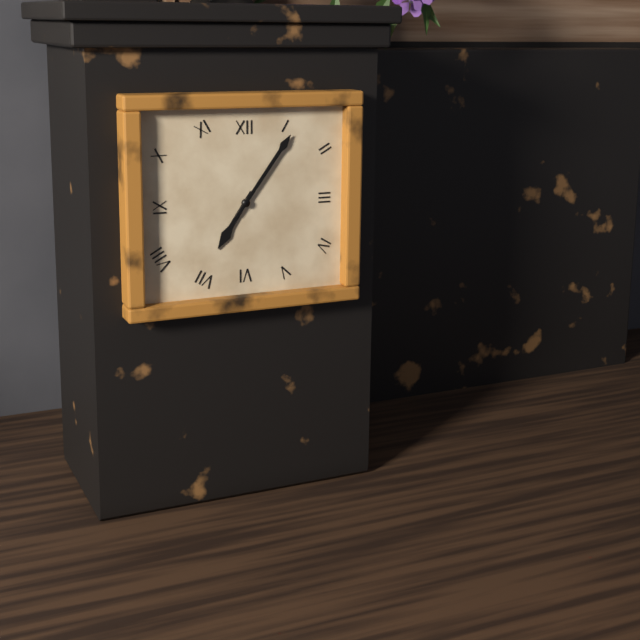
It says 7 h 06 min
